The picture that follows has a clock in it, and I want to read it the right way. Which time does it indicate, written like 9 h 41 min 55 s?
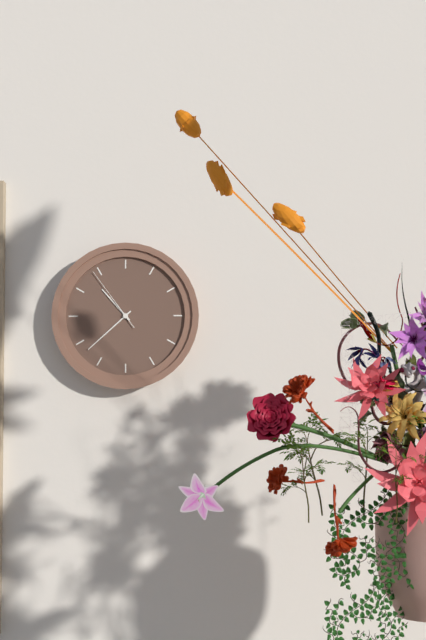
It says 10 h 38 min 54 s
